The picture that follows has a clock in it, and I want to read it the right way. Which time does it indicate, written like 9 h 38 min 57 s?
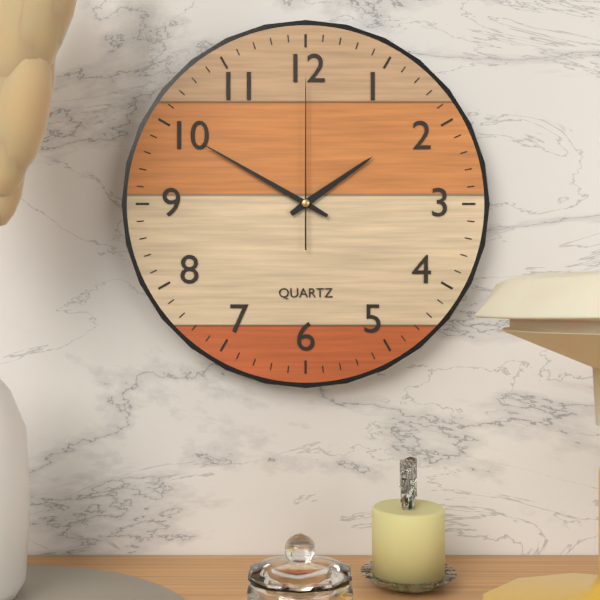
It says 1 h 50 min 00 s
